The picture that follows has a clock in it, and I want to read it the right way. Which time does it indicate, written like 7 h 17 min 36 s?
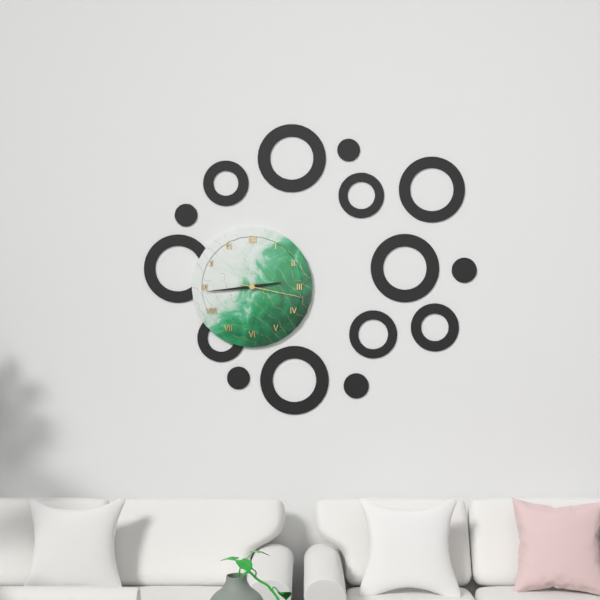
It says 2 h 44 min 17 s
